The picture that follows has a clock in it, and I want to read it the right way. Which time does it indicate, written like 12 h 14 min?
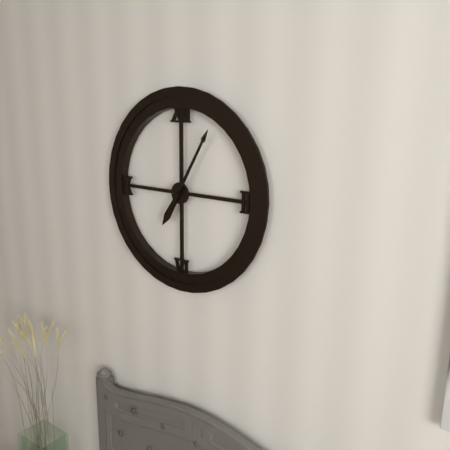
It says 7 h 05 min
